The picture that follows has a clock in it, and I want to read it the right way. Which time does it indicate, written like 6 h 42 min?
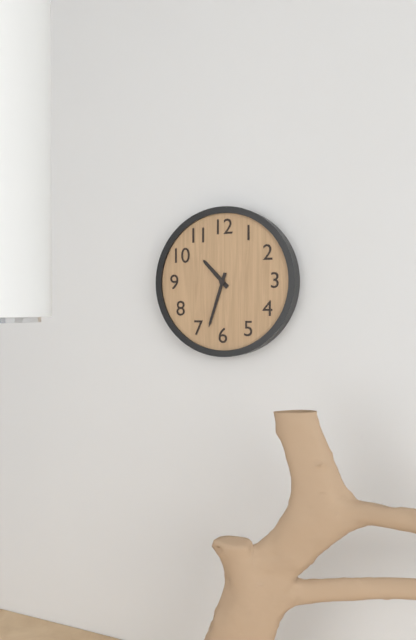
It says 10 h 33 min
